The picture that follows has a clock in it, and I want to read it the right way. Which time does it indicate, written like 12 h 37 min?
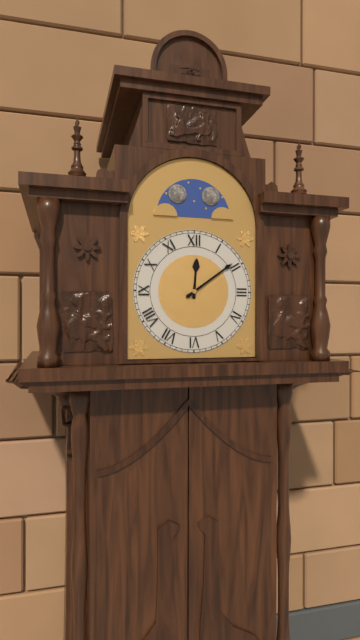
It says 12 h 09 min
